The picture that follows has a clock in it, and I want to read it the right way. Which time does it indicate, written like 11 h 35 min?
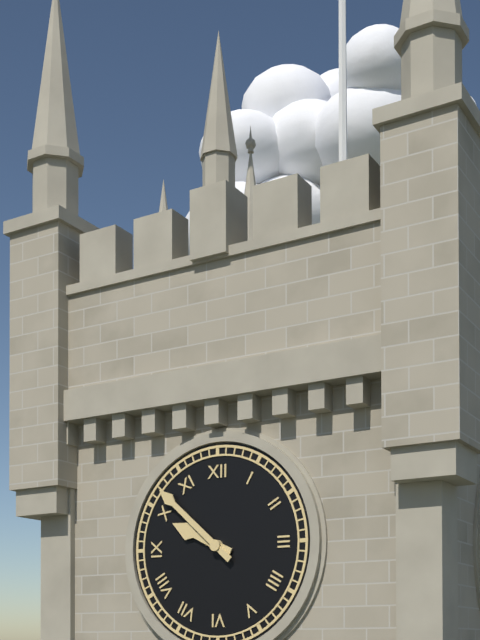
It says 9 h 52 min
